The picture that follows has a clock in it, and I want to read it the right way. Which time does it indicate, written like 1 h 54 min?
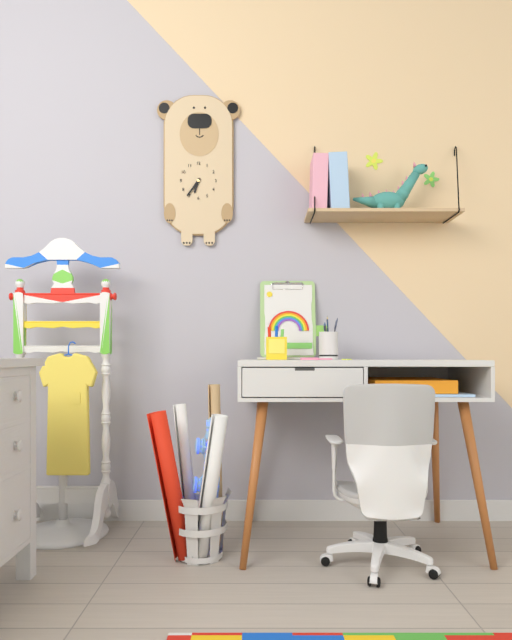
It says 6 h 36 min
